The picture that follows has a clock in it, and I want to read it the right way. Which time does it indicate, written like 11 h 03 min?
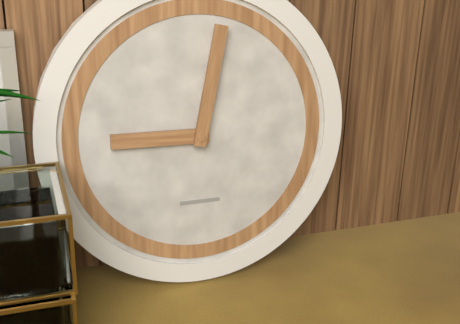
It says 9 h 02 min
